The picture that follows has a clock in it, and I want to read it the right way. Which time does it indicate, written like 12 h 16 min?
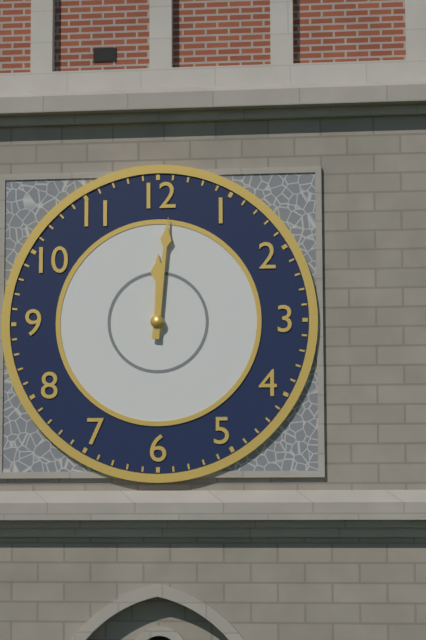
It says 12 h 01 min
